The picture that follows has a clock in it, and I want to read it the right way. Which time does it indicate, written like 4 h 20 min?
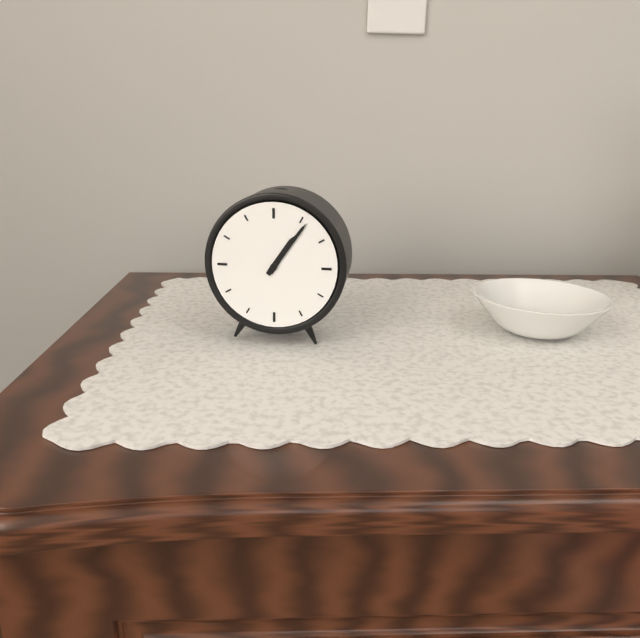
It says 1 h 06 min
